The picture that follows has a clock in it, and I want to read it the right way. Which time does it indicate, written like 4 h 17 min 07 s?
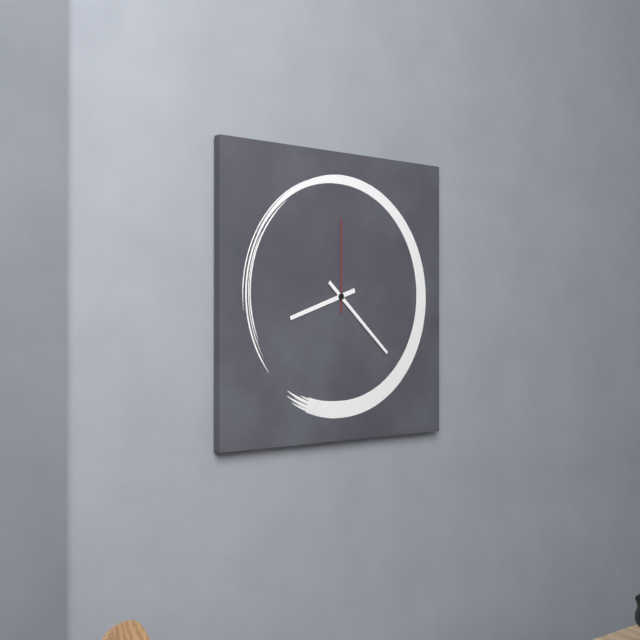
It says 8 h 22 min 00 s
